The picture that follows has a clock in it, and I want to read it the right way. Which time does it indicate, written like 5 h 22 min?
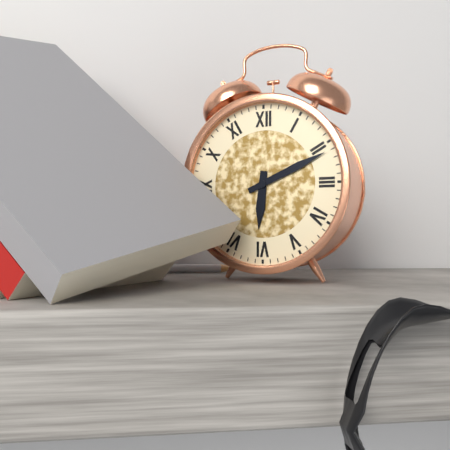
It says 6 h 11 min
